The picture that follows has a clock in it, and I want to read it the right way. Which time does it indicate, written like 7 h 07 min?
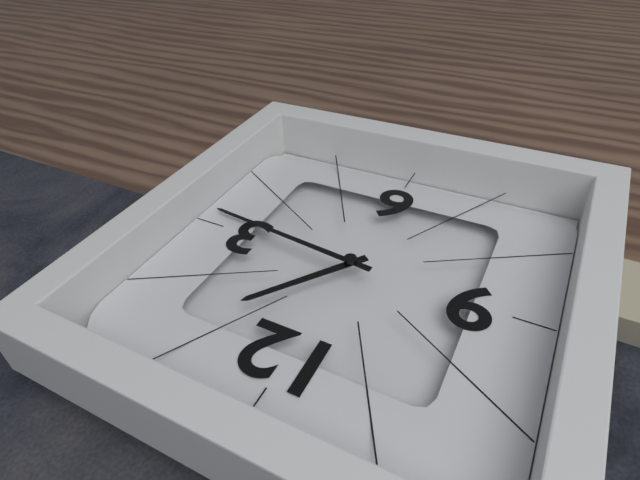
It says 1 h 16 min
